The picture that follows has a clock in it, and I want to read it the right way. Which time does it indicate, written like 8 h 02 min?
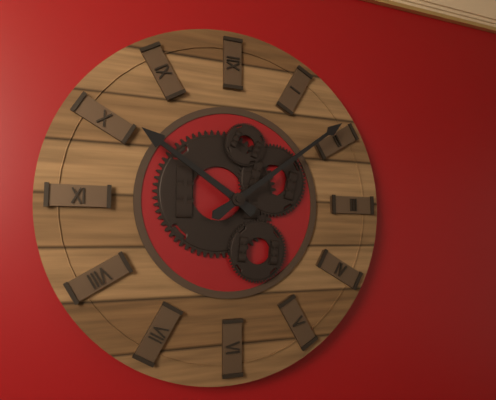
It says 10 h 09 min
